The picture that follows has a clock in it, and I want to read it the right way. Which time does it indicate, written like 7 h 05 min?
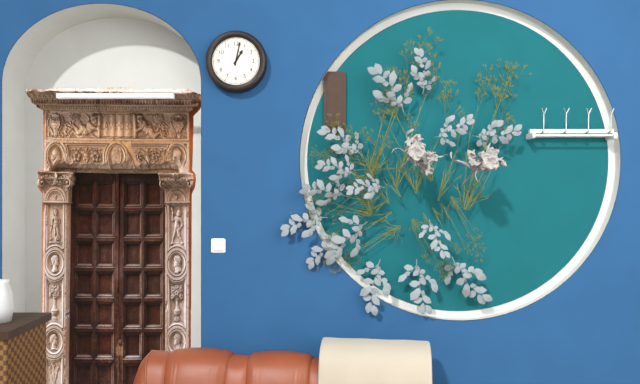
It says 1 h 02 min
